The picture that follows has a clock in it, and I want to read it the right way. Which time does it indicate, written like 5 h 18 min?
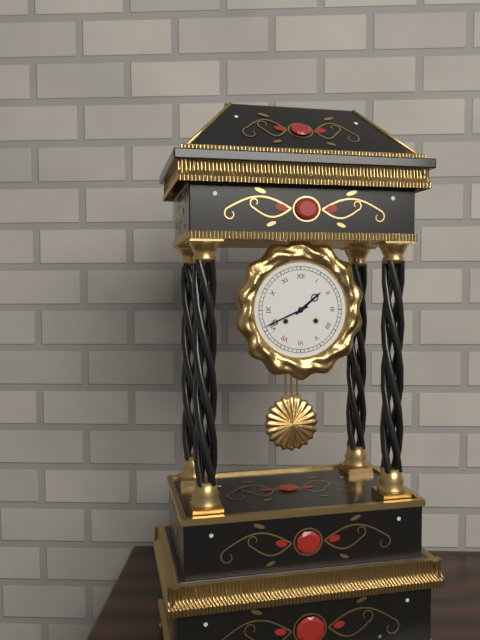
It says 1 h 41 min
